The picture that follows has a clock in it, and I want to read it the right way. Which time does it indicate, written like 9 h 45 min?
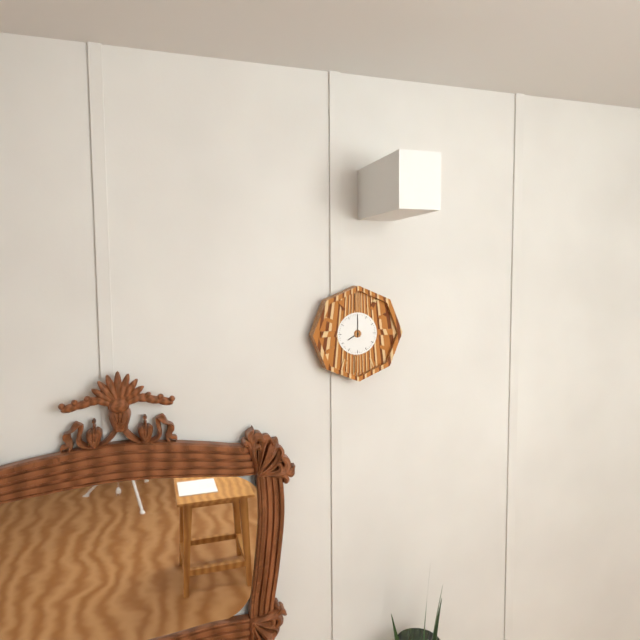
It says 8 h 00 min
